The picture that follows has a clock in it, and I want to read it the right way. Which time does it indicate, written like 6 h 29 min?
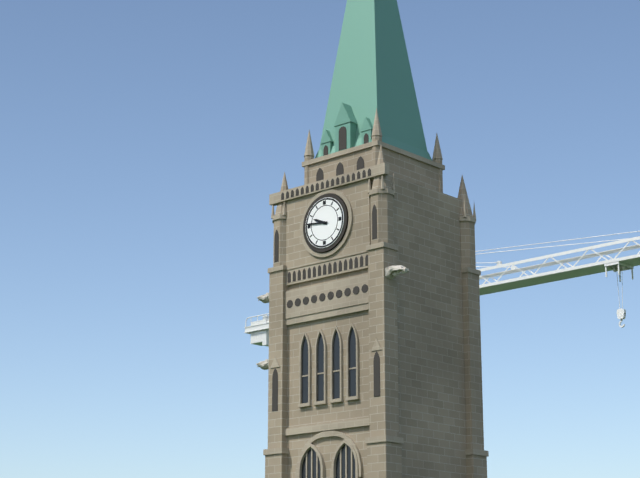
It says 9 h 46 min
